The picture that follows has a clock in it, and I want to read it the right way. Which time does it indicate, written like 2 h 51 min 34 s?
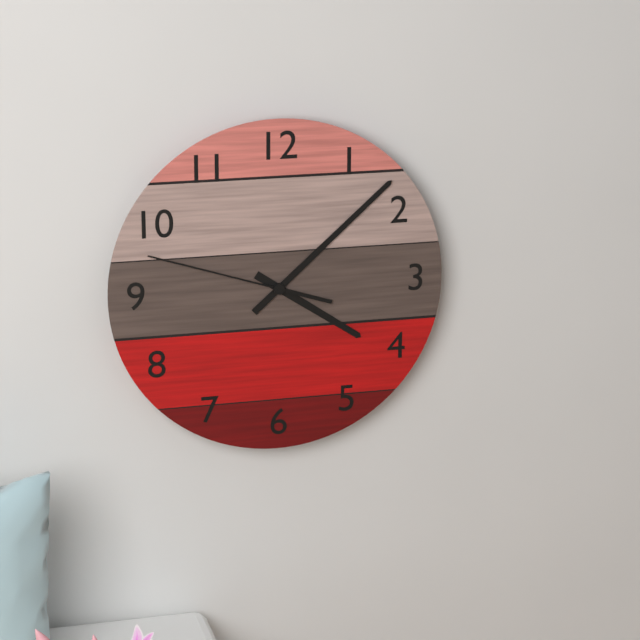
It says 4 h 08 min 48 s
